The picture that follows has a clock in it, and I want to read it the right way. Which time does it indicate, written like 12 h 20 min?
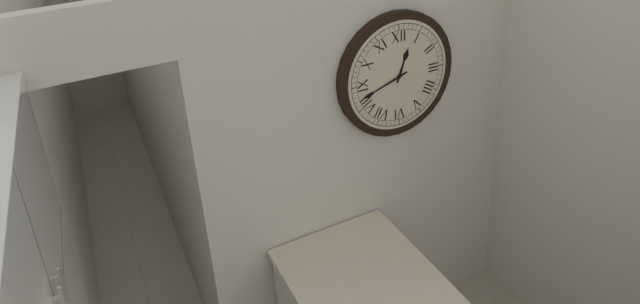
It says 12 h 42 min
